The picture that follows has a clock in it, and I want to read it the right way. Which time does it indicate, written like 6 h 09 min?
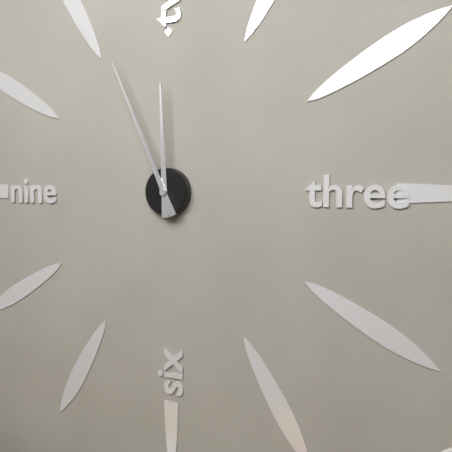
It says 11 h 56 min
